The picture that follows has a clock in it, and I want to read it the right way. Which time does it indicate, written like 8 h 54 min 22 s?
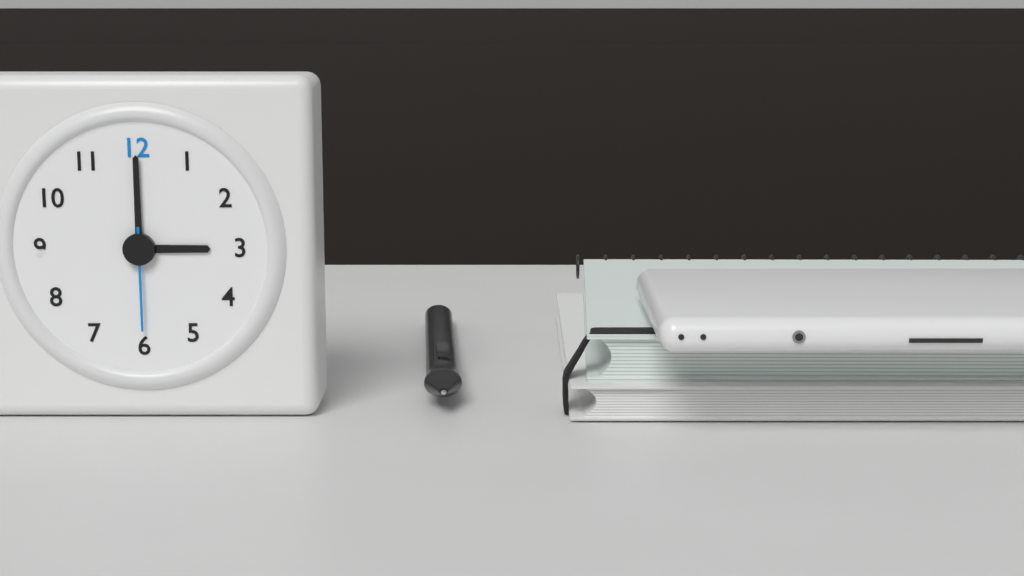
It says 3 h 00 min 30 s
